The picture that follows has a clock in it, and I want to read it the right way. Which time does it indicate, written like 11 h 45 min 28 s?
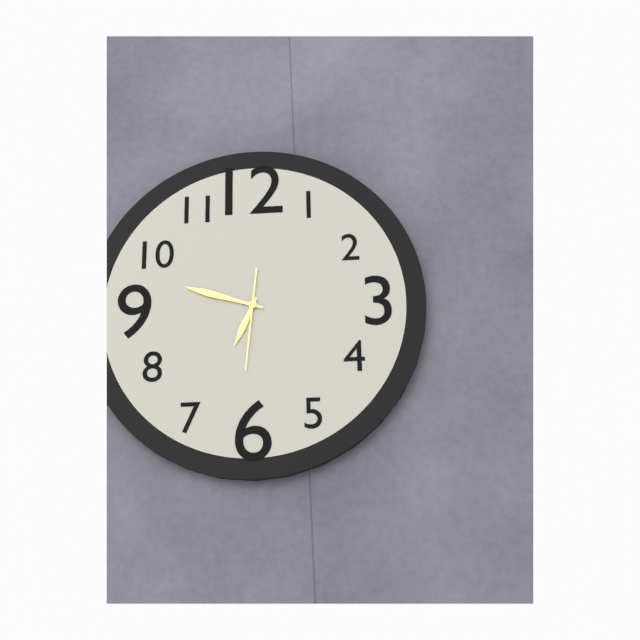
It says 6 h 48 min 31 s
